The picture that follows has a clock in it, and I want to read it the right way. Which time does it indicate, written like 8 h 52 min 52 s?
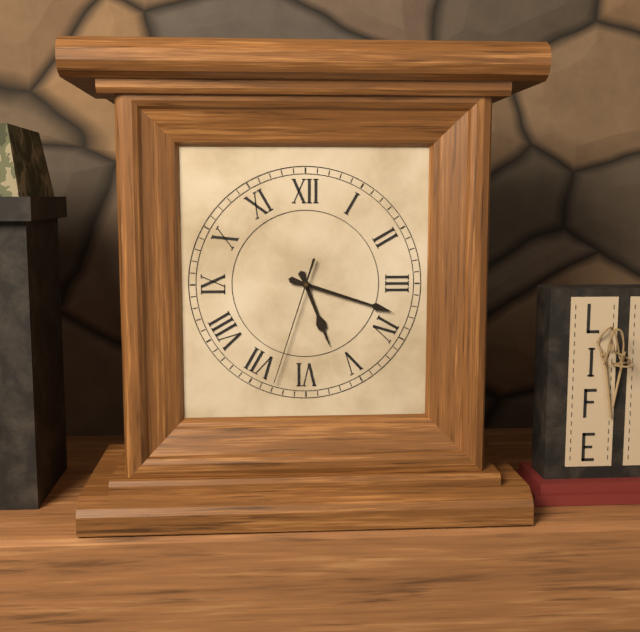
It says 5 h 18 min 33 s
